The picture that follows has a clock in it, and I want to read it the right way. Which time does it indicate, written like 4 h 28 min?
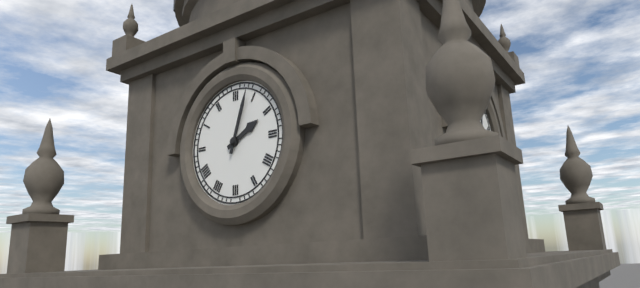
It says 2 h 03 min
